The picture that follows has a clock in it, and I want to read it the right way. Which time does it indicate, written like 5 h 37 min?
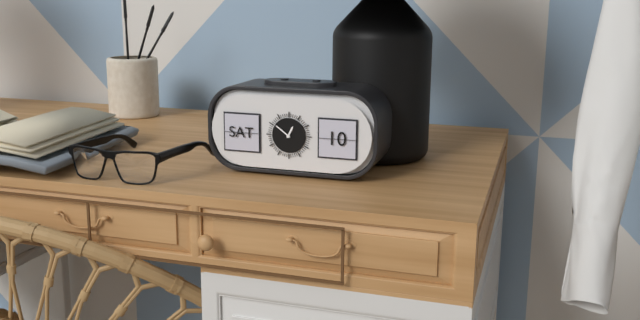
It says 12 h 51 min
